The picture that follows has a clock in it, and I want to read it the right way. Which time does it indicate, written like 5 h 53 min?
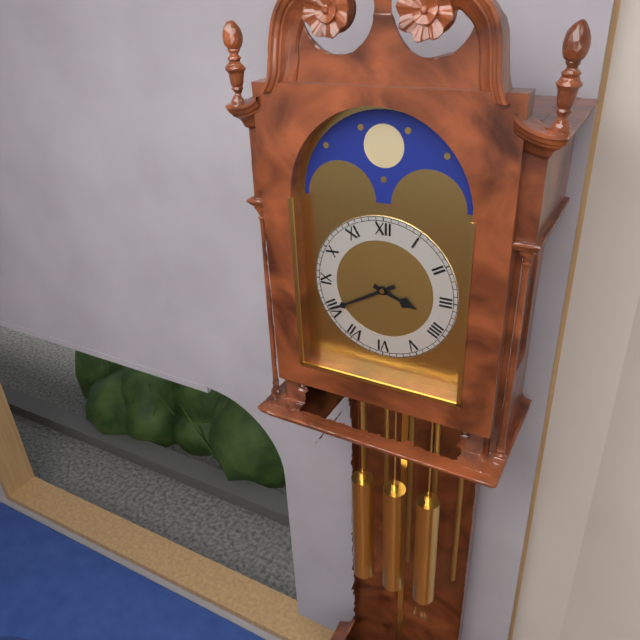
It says 3 h 40 min
